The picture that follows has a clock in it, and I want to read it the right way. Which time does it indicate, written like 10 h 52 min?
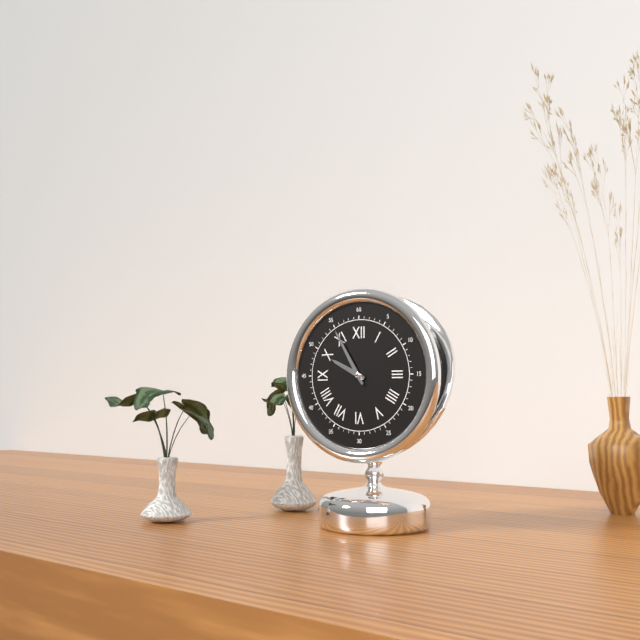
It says 9 h 55 min
